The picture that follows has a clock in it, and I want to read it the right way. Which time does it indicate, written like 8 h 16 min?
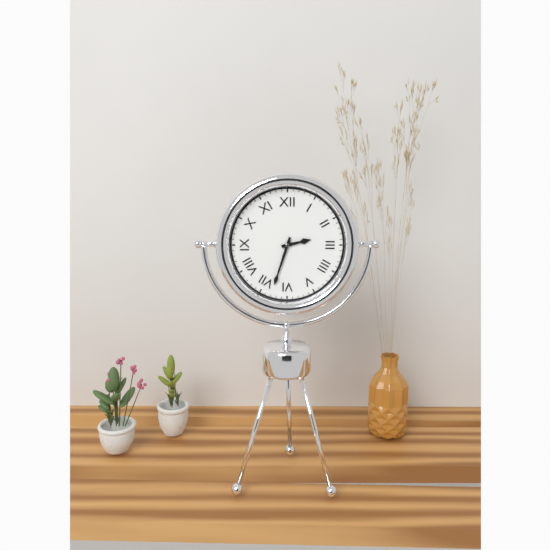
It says 2 h 33 min
